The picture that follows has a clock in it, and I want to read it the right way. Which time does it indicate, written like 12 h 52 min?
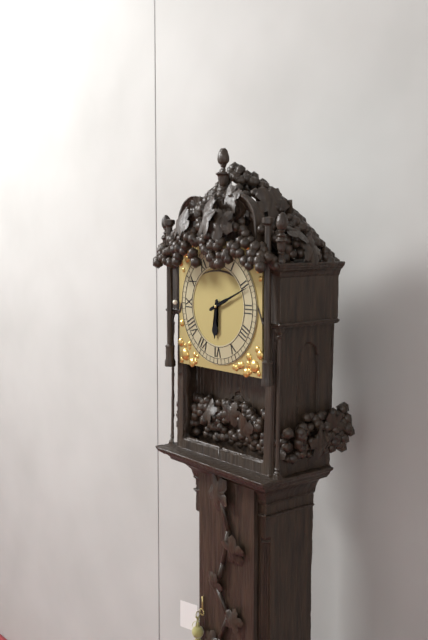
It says 6 h 11 min
